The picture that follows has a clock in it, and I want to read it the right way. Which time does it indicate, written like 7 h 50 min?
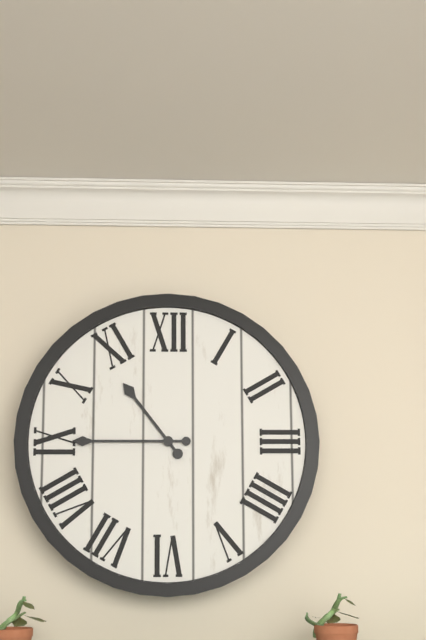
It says 10 h 45 min
